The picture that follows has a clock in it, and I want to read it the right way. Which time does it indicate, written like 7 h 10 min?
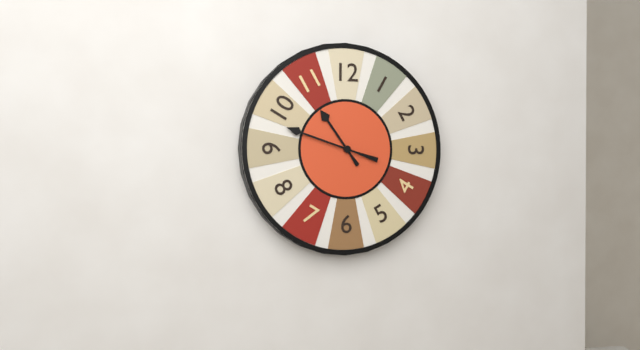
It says 10 h 48 min
